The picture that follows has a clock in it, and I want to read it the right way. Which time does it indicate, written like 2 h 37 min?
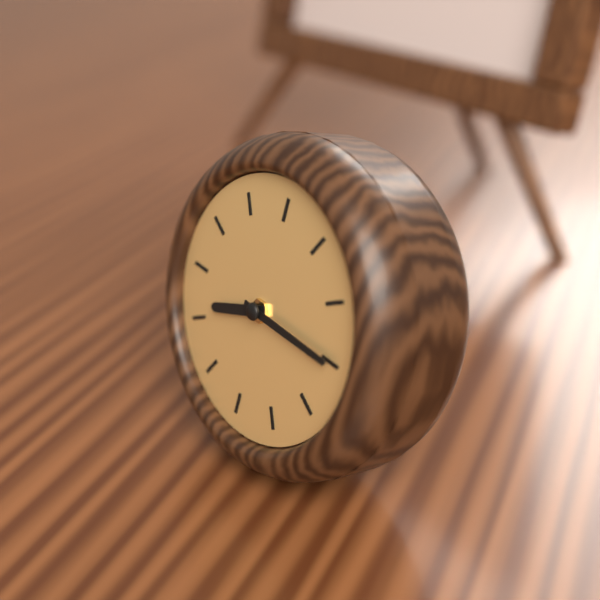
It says 8 h 15 min
